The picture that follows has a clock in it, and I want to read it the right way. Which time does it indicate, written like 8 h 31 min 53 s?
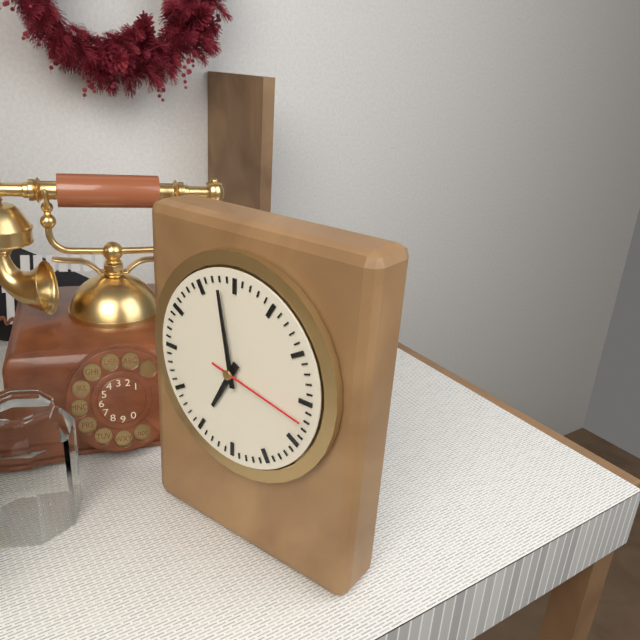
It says 6 h 58 min 17 s
